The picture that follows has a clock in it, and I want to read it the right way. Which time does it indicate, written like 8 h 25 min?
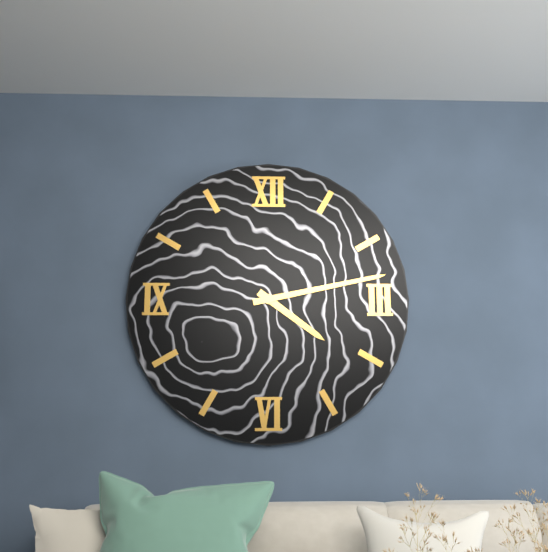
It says 4 h 13 min
